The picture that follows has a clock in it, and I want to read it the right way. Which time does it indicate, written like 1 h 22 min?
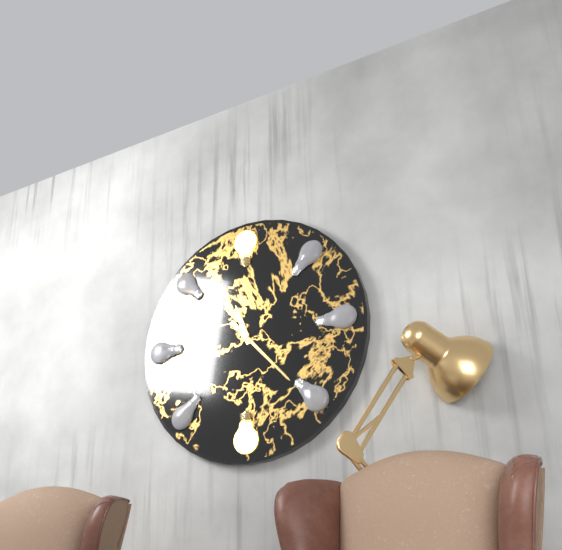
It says 11 h 23 min
